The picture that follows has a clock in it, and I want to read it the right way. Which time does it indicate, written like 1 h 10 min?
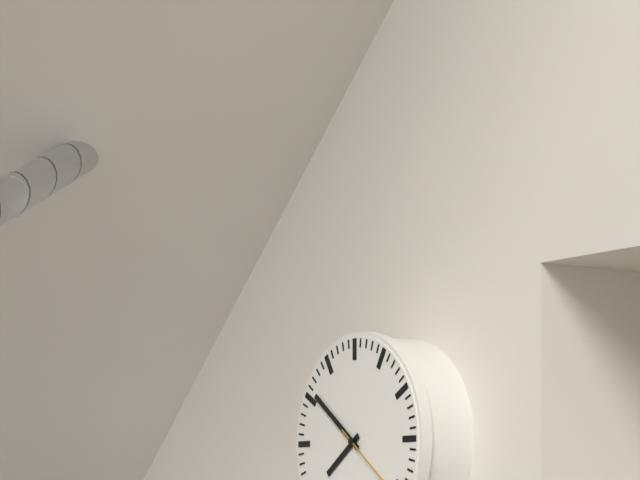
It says 7 h 51 min
